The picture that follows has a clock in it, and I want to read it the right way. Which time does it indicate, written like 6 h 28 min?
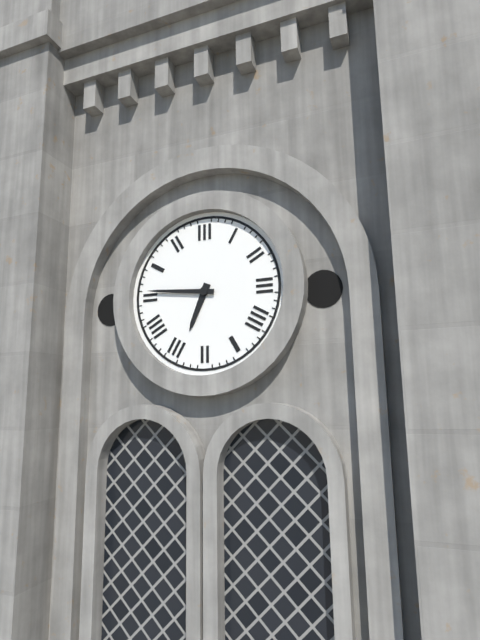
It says 6 h 46 min
